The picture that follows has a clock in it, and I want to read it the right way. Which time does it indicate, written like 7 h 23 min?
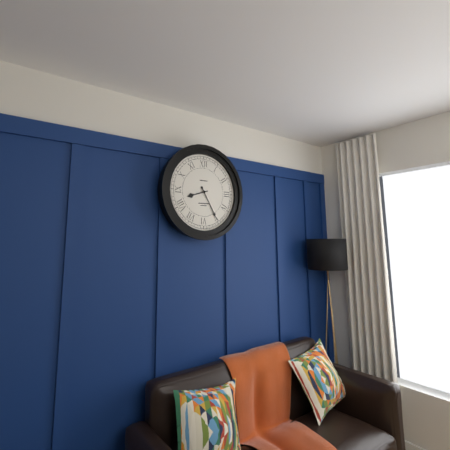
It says 8 h 25 min
